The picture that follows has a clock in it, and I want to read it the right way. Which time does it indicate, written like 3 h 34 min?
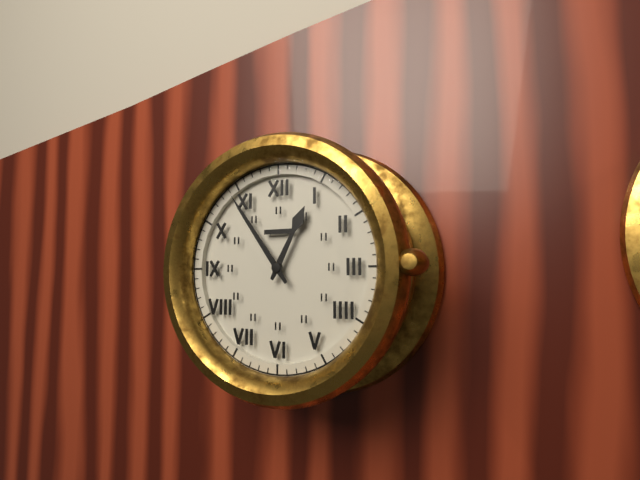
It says 12 h 54 min
